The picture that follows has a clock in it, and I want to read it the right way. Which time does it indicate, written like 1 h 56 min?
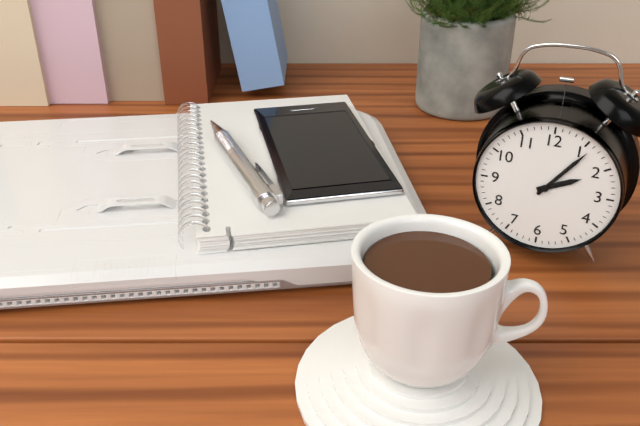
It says 2 h 06 min
